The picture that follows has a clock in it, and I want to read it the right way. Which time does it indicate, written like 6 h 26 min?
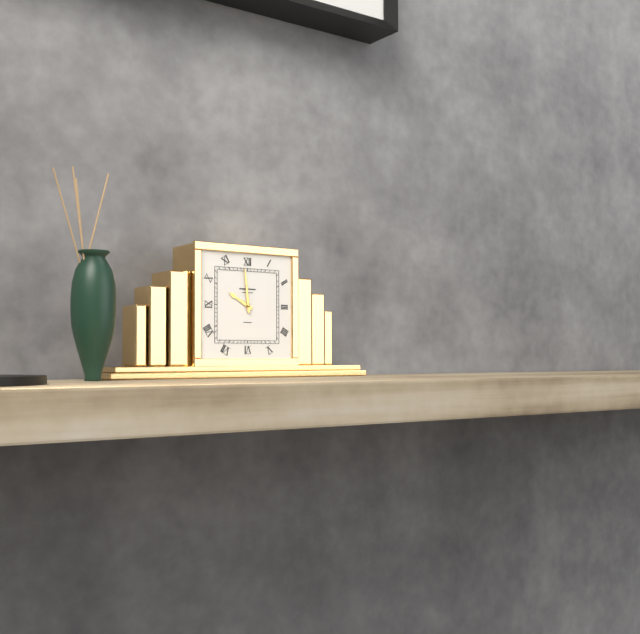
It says 9 h 59 min
